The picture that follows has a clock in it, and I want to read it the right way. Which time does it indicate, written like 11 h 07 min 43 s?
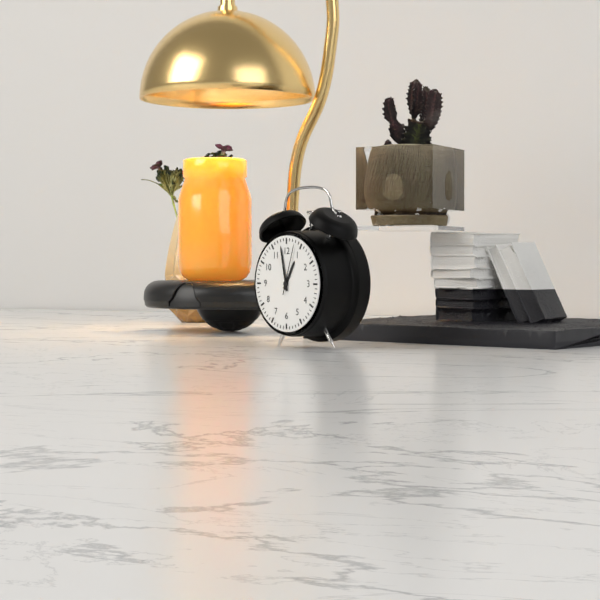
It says 12 h 58 min 03 s
